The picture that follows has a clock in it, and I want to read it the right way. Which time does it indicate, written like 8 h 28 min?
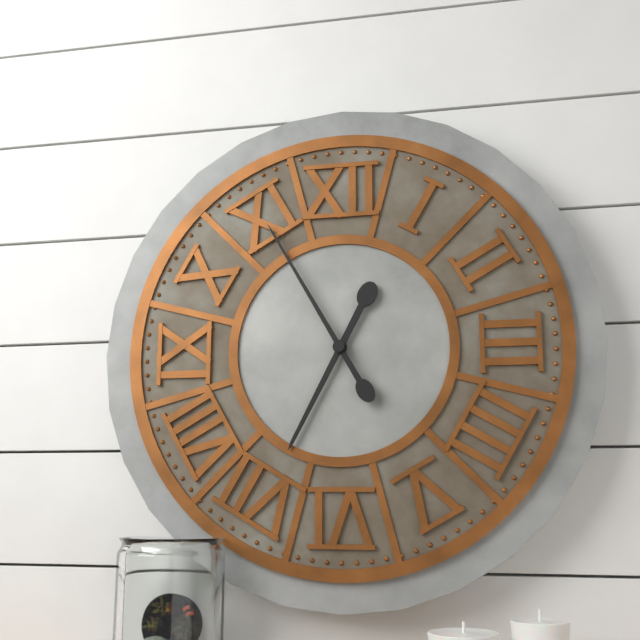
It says 6 h 55 min
